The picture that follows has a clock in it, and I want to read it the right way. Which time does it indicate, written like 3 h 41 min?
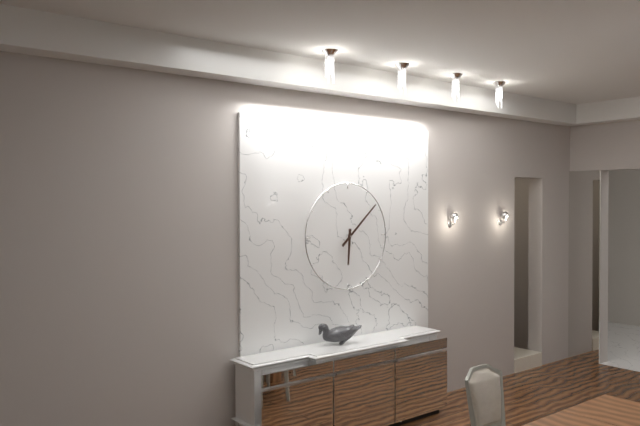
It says 6 h 08 min
